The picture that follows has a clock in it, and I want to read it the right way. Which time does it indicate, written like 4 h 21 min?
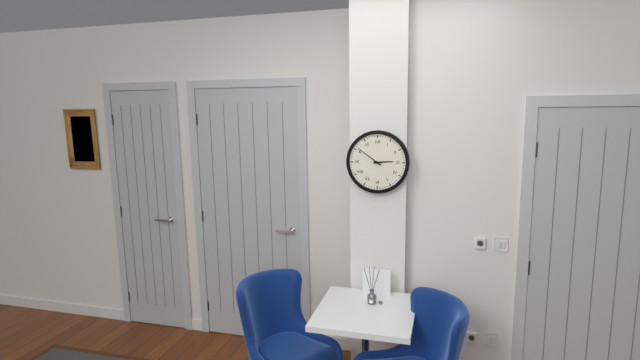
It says 2 h 51 min
